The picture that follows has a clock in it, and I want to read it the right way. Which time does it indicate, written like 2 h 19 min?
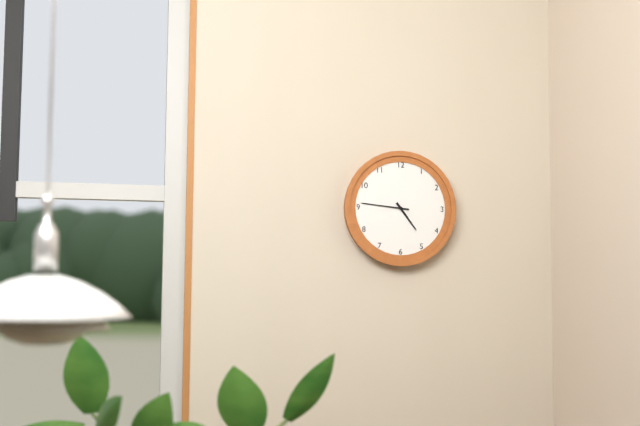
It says 4 h 46 min
